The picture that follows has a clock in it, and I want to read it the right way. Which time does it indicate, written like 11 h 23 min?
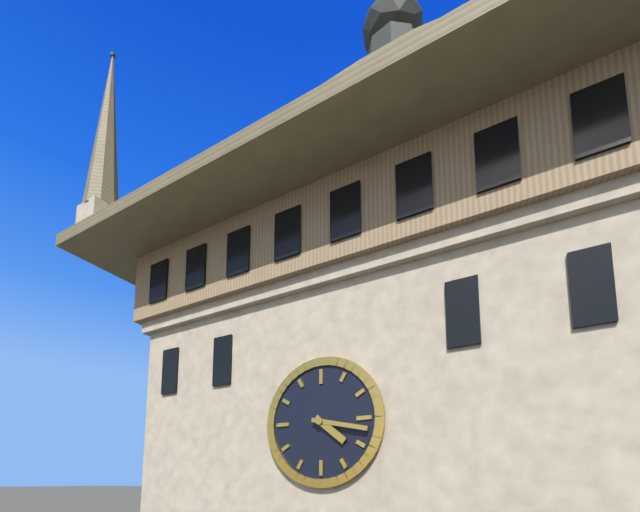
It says 4 h 17 min
